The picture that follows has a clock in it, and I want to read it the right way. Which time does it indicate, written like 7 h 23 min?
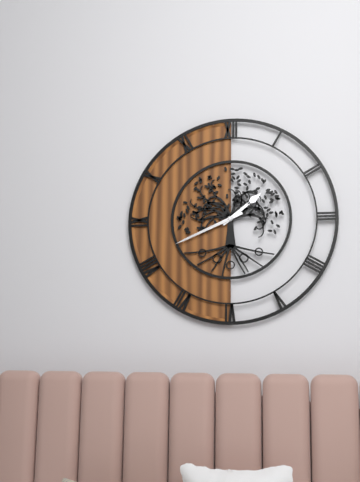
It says 1 h 41 min
